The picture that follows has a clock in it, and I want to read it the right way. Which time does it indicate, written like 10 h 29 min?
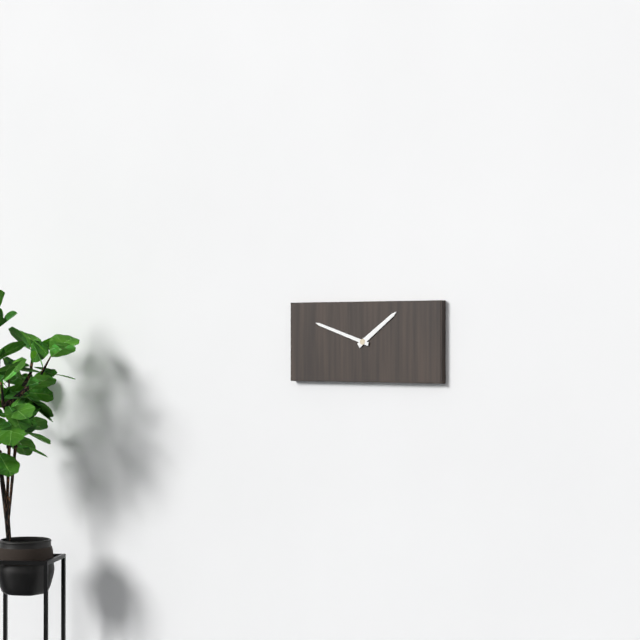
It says 1 h 48 min
